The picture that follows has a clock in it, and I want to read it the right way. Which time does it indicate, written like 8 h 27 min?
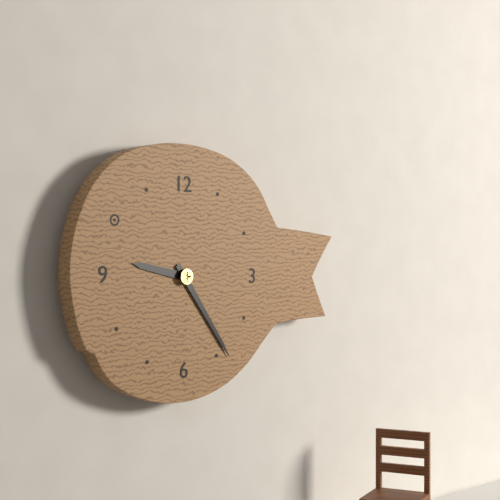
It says 9 h 24 min
